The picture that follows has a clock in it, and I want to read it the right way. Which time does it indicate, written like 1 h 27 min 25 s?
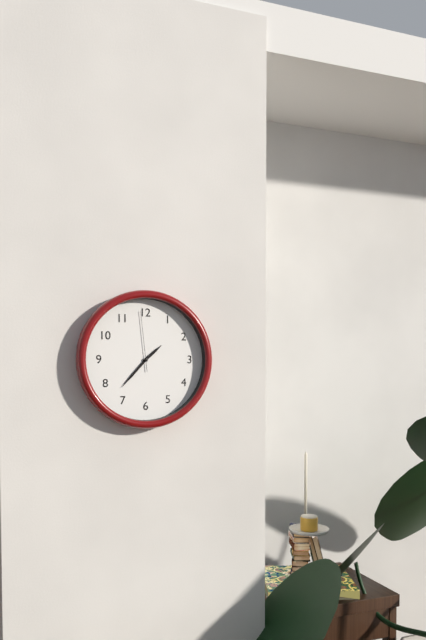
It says 1 h 37 min 59 s
